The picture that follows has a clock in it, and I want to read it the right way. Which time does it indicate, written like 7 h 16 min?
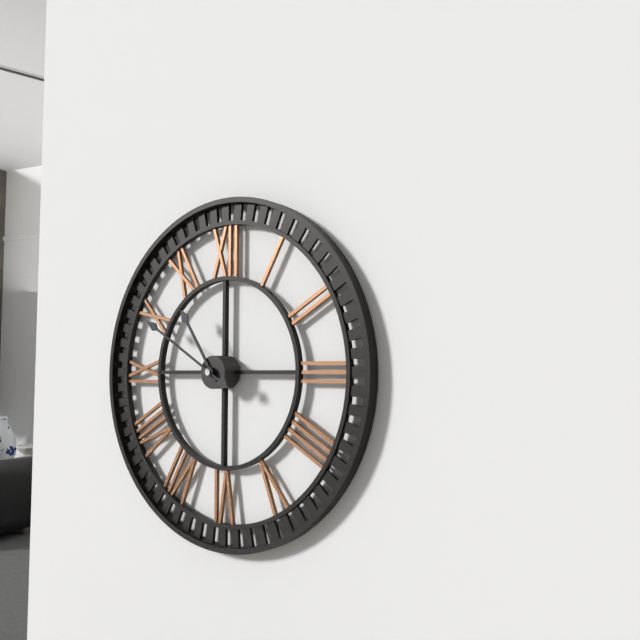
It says 10 h 50 min
